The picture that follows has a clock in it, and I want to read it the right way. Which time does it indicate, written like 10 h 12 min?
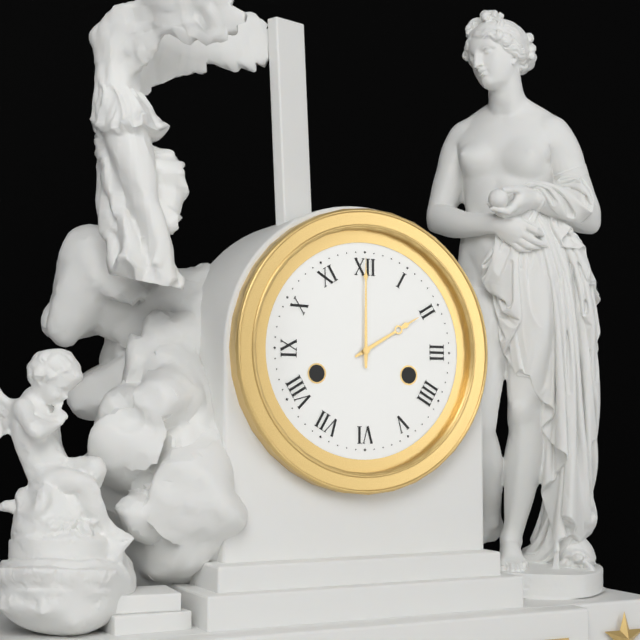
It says 2 h 00 min
